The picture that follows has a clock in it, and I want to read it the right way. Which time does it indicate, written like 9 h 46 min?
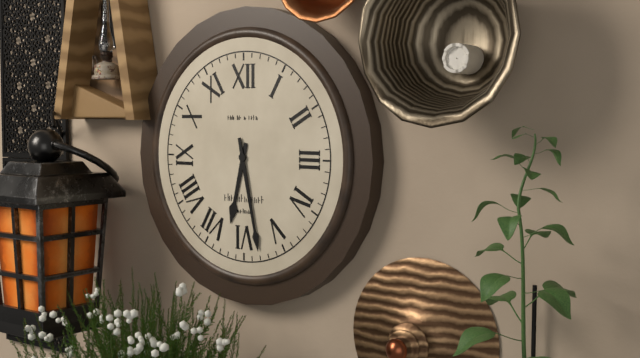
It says 6 h 28 min
